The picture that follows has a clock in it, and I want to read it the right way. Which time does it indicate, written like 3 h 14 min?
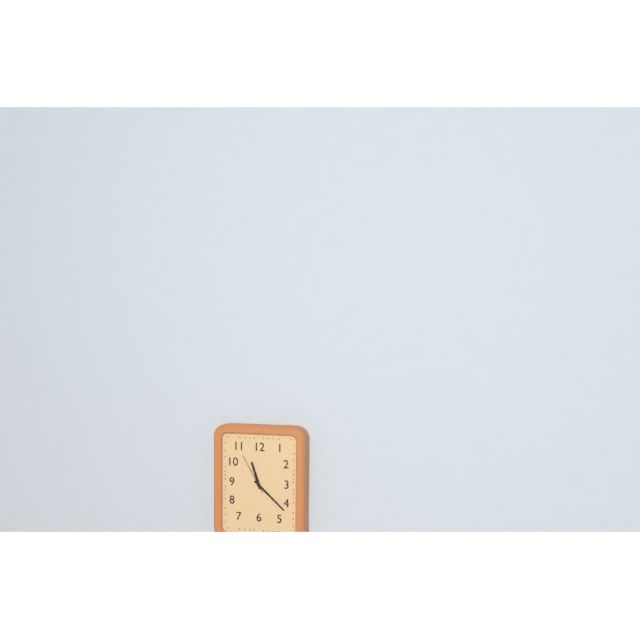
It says 11 h 22 min
